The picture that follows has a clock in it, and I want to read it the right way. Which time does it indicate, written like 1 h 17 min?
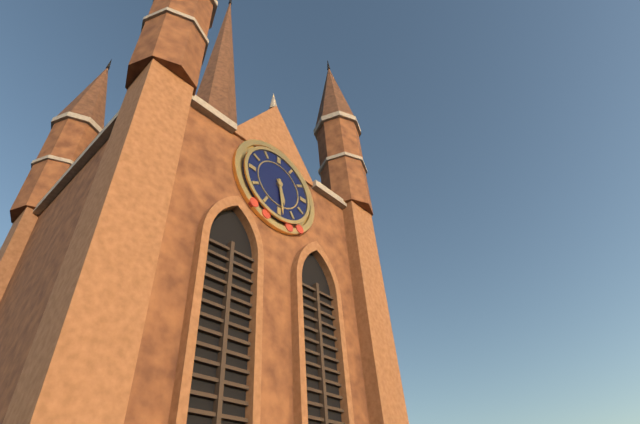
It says 5 h 29 min
